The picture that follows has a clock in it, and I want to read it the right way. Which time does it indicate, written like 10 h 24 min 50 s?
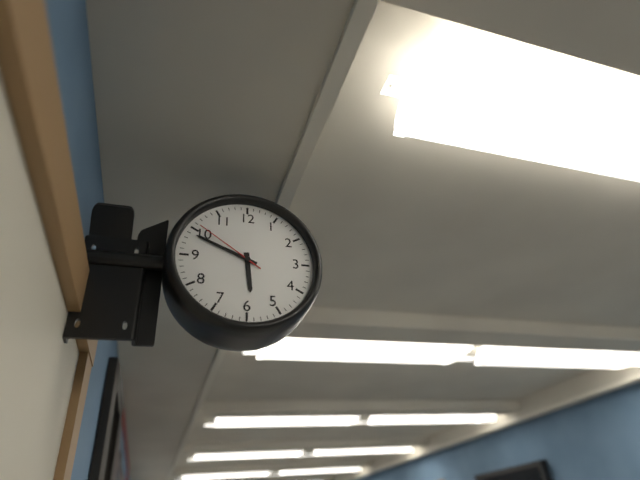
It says 5 h 49 min 51 s
